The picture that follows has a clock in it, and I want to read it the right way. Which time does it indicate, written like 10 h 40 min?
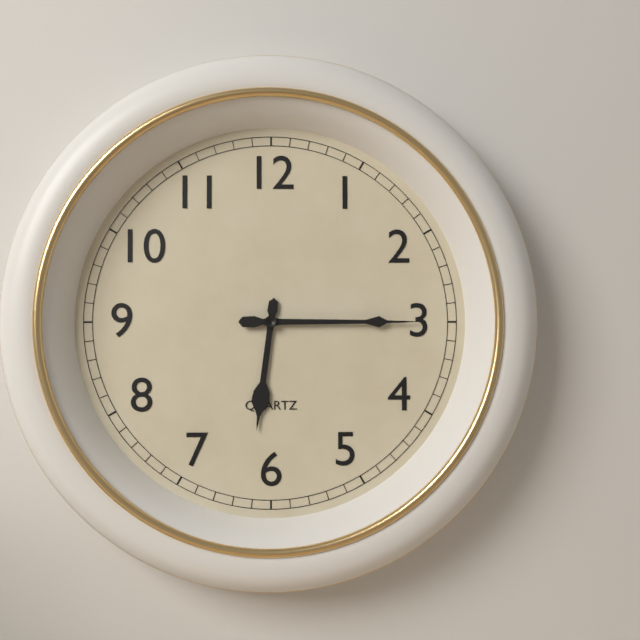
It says 6 h 15 min
